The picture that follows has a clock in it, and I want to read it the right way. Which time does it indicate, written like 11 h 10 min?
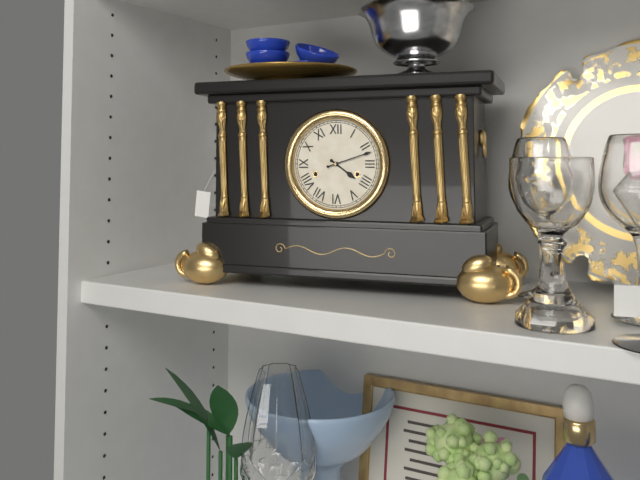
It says 4 h 12 min
